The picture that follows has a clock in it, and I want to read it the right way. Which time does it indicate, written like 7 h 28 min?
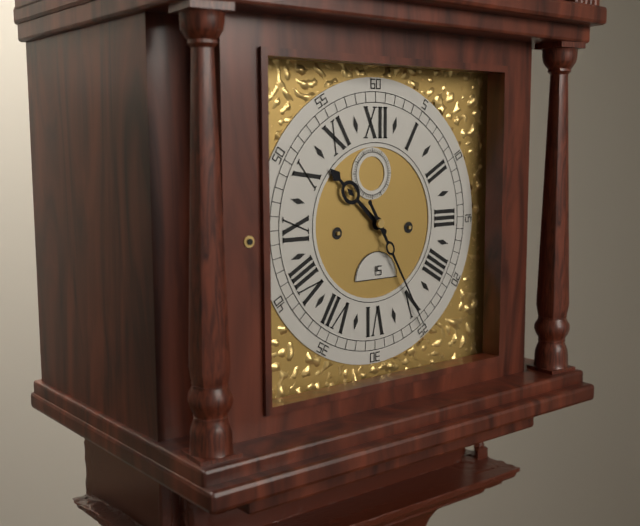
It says 10 h 25 min
